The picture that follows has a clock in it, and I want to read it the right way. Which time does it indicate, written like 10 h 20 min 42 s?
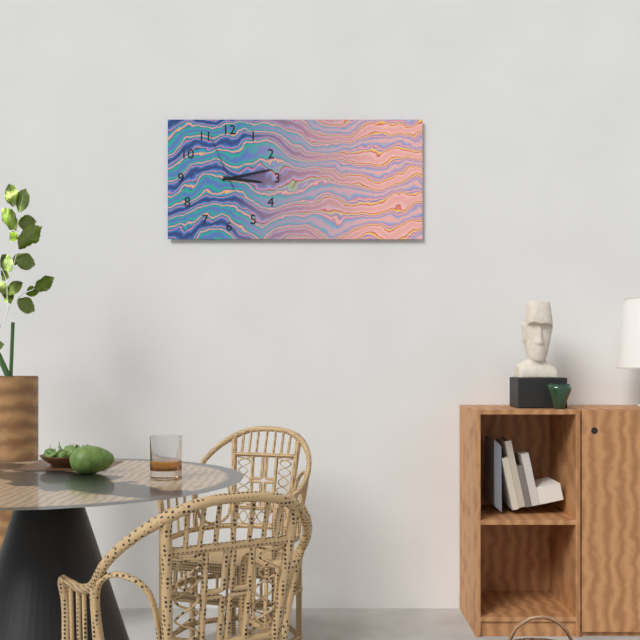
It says 3 h 13 min 56 s
